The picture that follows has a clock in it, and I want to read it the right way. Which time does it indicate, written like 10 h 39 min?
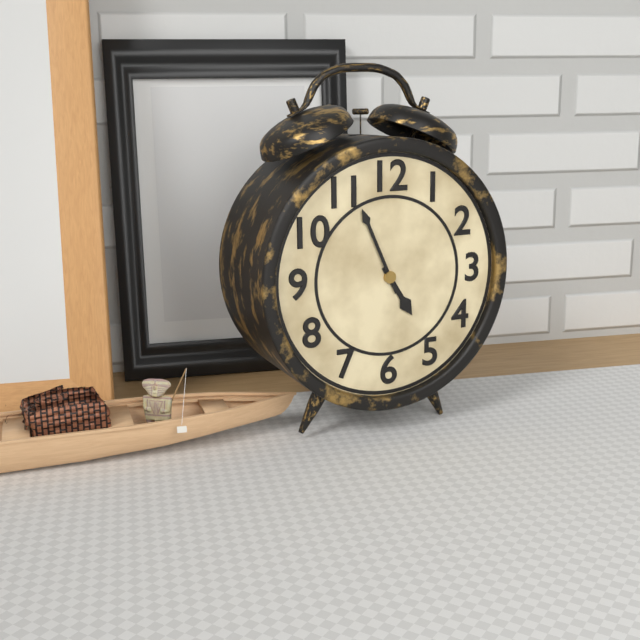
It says 4 h 56 min
